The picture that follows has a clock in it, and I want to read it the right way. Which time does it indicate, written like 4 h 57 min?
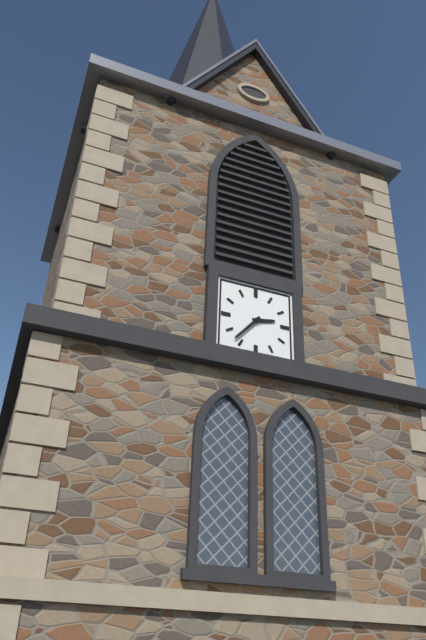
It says 2 h 37 min
